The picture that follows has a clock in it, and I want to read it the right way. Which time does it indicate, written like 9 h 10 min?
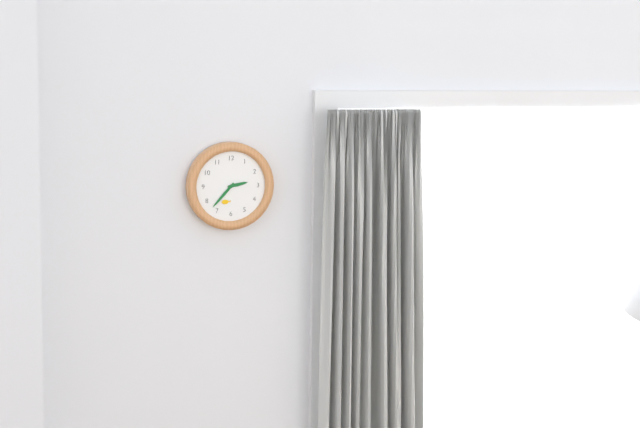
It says 2 h 37 min
